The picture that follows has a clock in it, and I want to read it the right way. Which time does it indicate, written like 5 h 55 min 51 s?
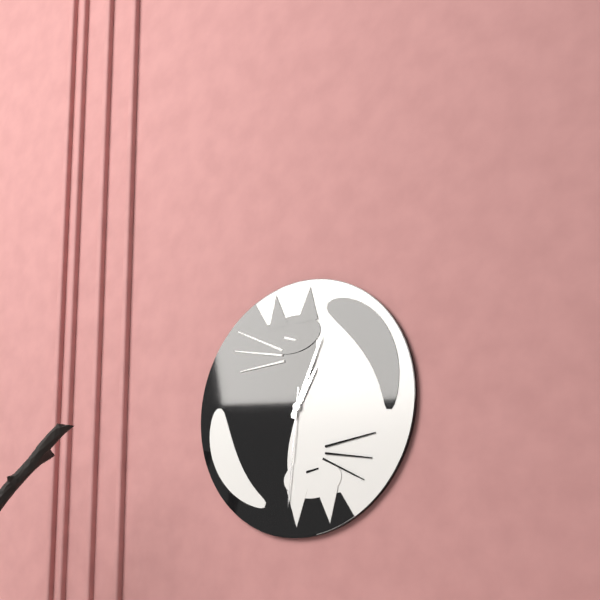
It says 1 h 04 min 31 s
